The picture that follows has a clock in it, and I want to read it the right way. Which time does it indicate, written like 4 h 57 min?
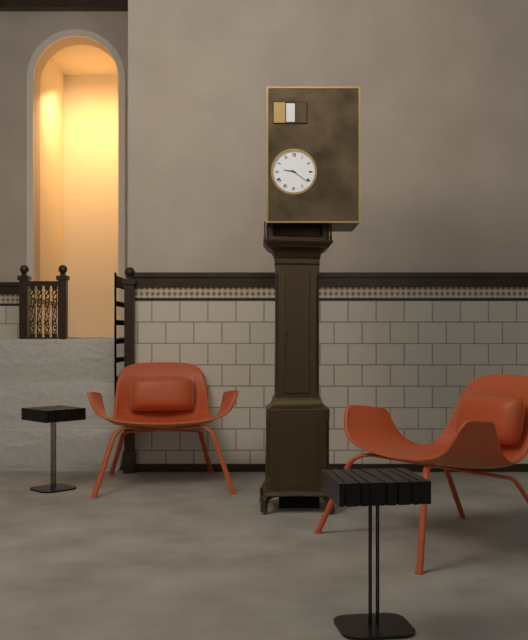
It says 9 h 21 min
